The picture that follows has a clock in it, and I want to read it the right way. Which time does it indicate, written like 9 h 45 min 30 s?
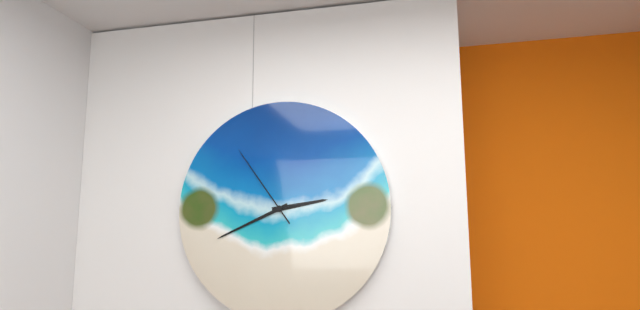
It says 2 h 41 min 54 s
